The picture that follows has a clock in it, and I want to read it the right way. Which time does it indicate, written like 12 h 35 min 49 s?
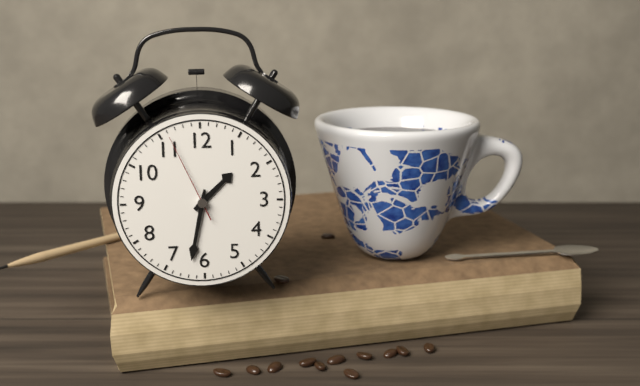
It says 1 h 32 min 56 s
